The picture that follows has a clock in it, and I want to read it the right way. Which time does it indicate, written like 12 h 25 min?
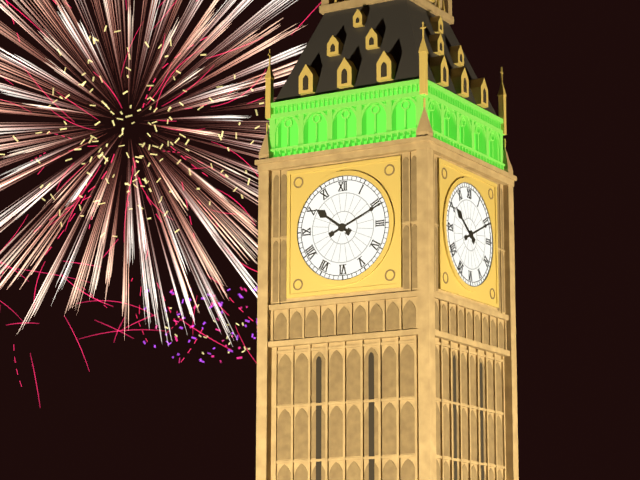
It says 10 h 11 min
